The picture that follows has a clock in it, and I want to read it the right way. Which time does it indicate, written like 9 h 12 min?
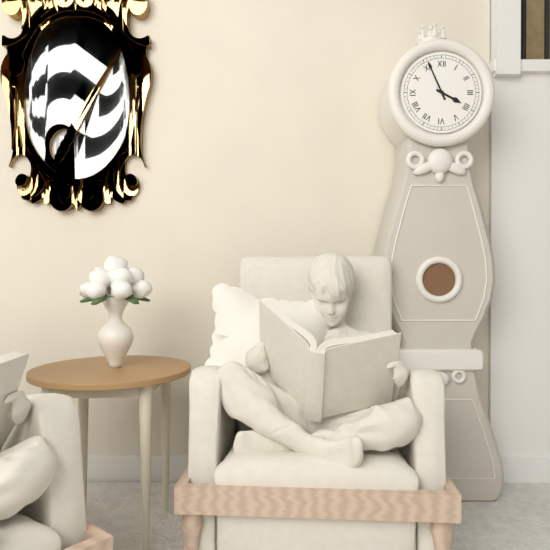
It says 3 h 56 min
